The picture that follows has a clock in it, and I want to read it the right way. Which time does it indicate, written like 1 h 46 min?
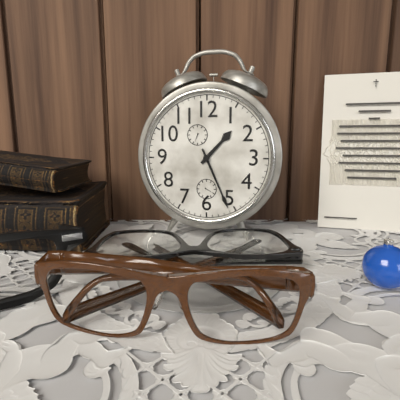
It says 1 h 26 min
